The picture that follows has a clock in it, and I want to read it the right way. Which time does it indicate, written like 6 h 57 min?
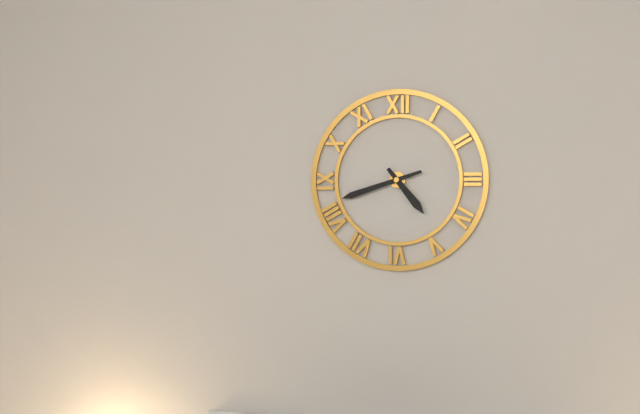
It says 4 h 42 min
